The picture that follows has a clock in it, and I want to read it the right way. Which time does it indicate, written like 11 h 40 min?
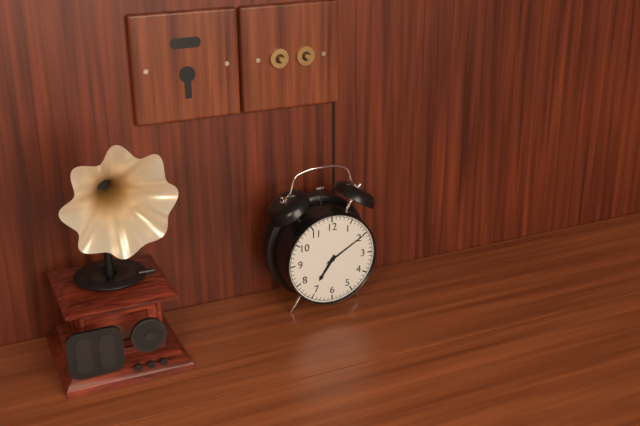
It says 7 h 10 min
